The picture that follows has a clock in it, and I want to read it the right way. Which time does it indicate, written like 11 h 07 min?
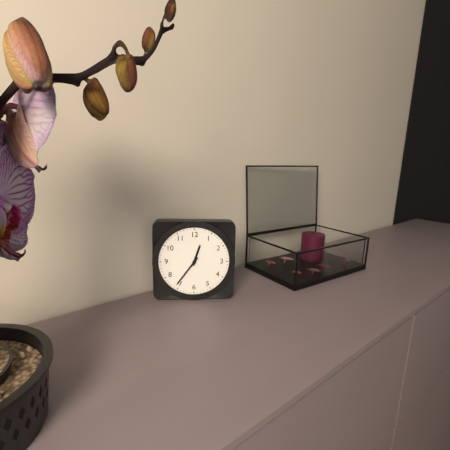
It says 12 h 36 min
